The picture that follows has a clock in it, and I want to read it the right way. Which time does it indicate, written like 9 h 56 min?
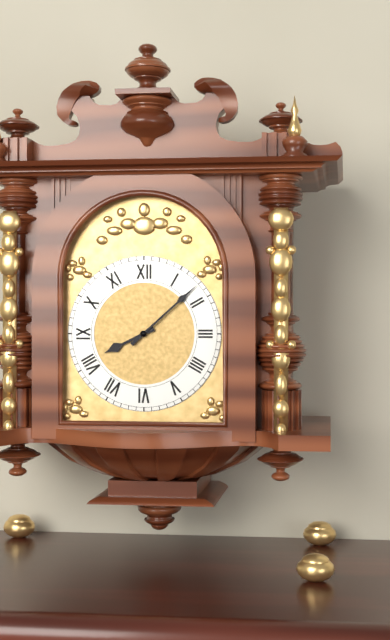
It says 8 h 08 min
